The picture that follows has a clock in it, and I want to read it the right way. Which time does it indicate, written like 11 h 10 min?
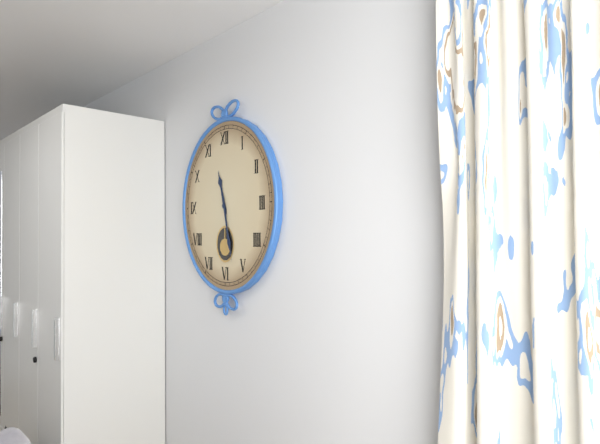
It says 11 h 28 min
